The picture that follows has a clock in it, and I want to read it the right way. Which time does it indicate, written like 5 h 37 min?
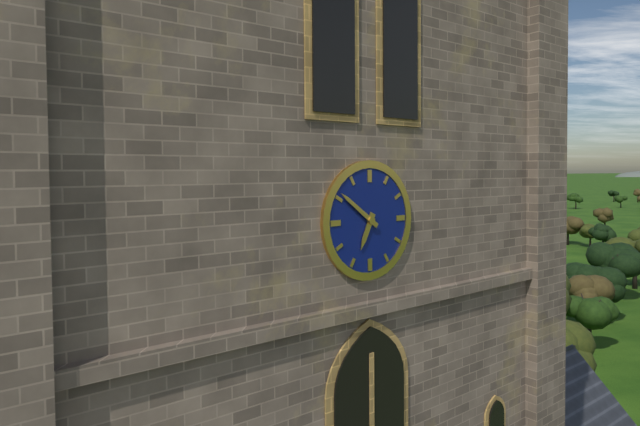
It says 6 h 51 min
